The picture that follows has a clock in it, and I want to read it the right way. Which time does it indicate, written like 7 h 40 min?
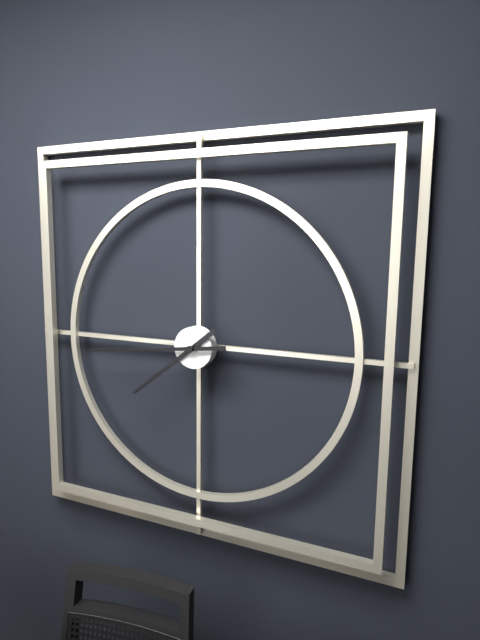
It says 7 h 44 min
